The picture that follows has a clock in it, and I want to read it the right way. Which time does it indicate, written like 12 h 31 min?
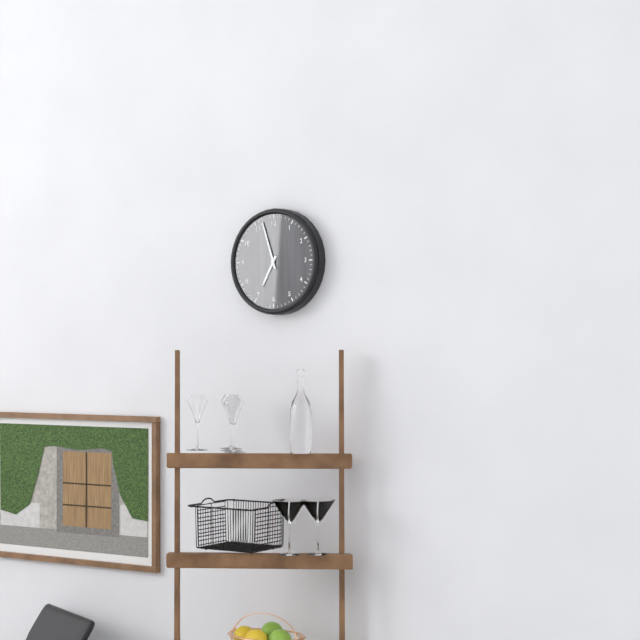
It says 6 h 57 min
